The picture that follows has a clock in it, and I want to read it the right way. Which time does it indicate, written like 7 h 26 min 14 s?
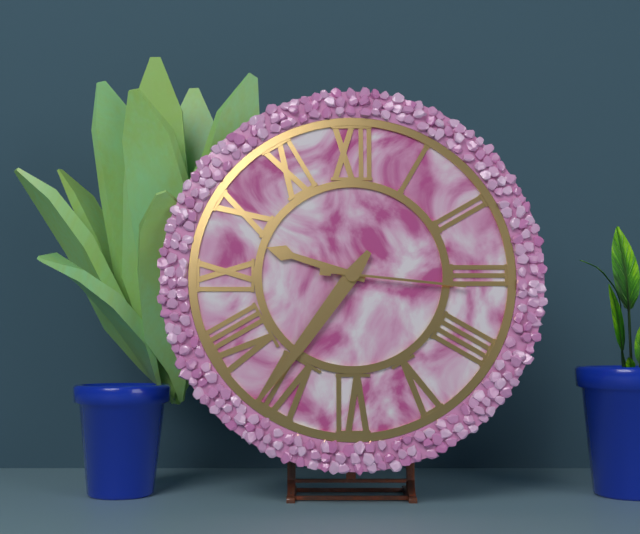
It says 9 h 36 min 16 s
